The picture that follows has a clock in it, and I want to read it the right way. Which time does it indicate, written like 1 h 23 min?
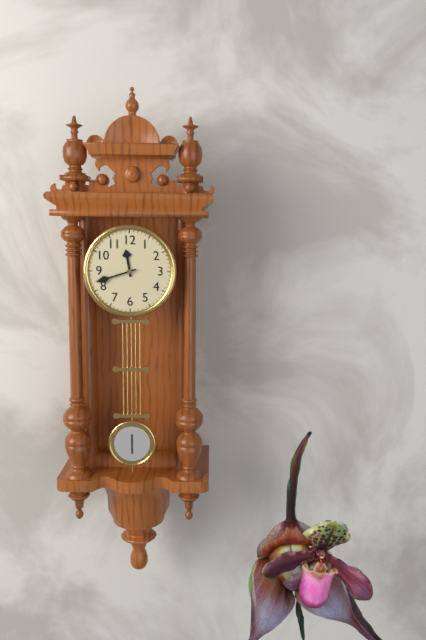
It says 11 h 42 min
